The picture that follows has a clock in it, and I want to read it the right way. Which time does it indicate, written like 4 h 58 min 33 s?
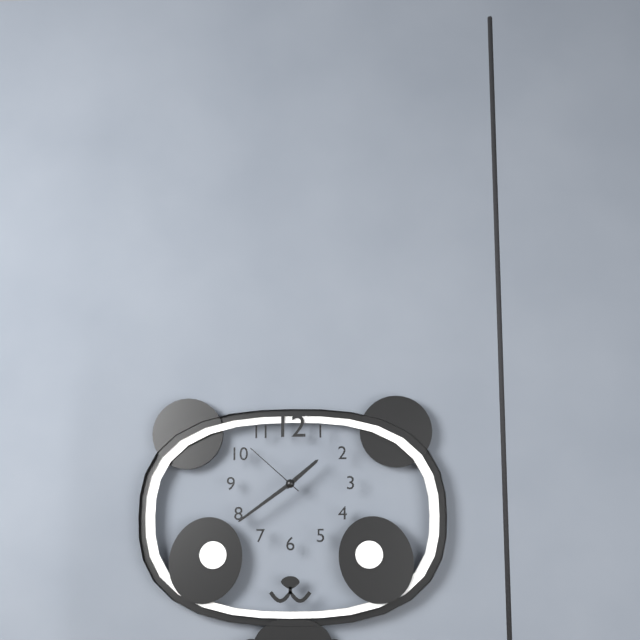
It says 1 h 39 min 52 s
